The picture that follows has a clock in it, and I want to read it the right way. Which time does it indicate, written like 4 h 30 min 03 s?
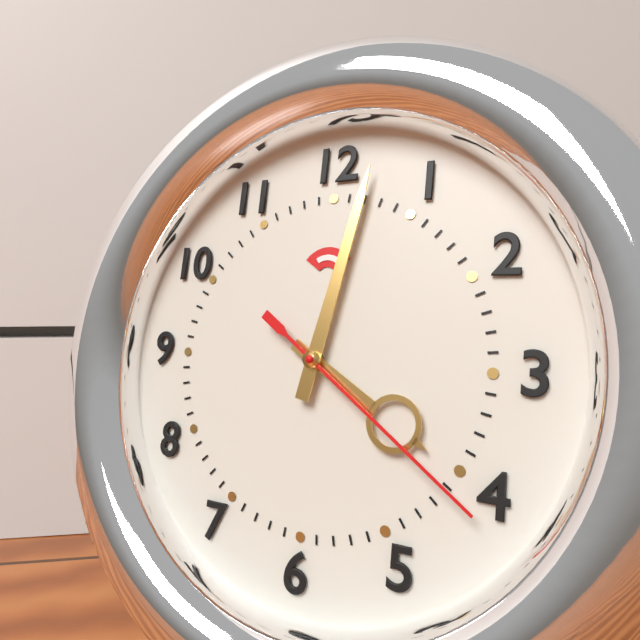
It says 4 h 02 min 21 s
